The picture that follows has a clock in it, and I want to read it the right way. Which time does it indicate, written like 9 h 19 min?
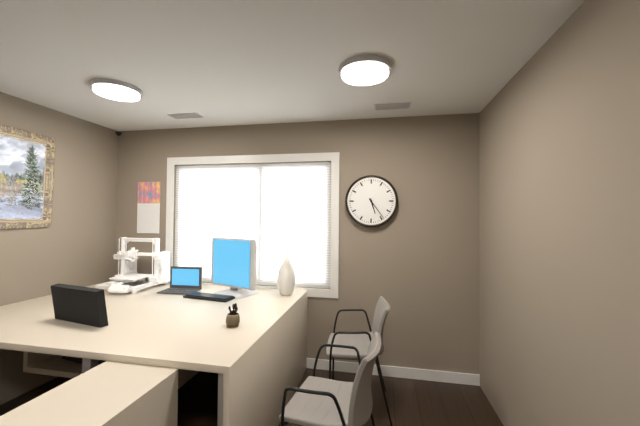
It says 5 h 24 min
